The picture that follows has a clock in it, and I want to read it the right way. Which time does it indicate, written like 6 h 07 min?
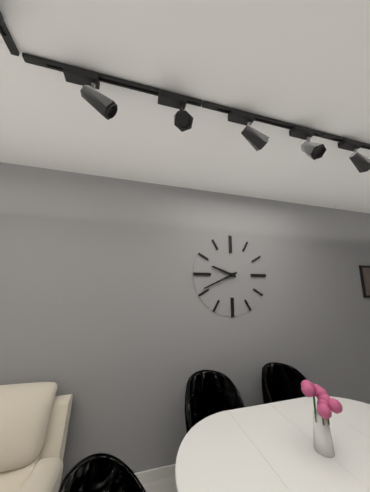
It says 9 h 41 min
